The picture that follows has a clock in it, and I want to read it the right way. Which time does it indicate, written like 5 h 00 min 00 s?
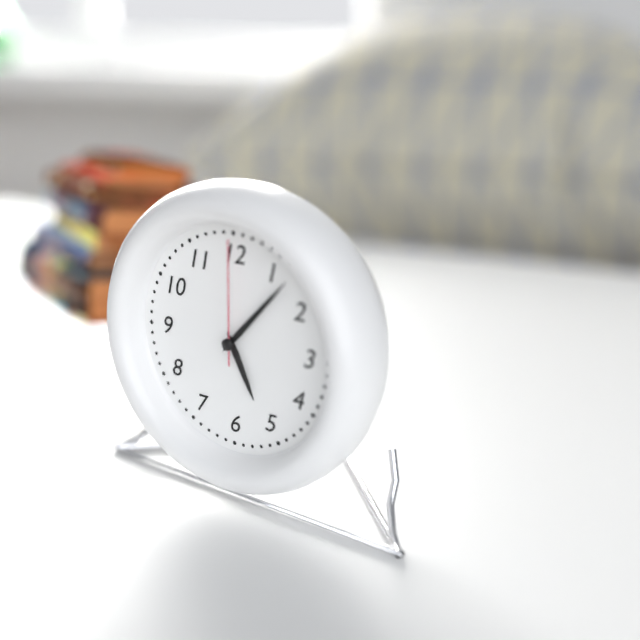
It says 5 h 07 min 00 s
